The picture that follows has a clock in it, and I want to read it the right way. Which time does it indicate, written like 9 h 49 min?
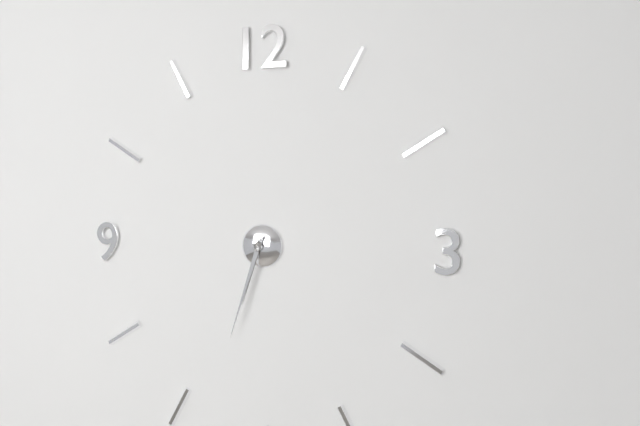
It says 6 h 33 min
